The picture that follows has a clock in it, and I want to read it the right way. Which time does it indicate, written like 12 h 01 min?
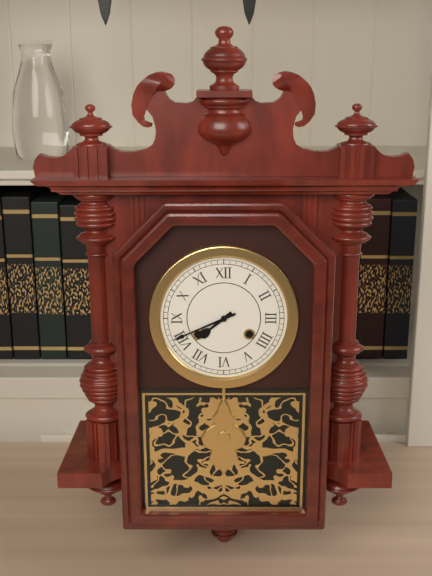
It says 7 h 41 min
